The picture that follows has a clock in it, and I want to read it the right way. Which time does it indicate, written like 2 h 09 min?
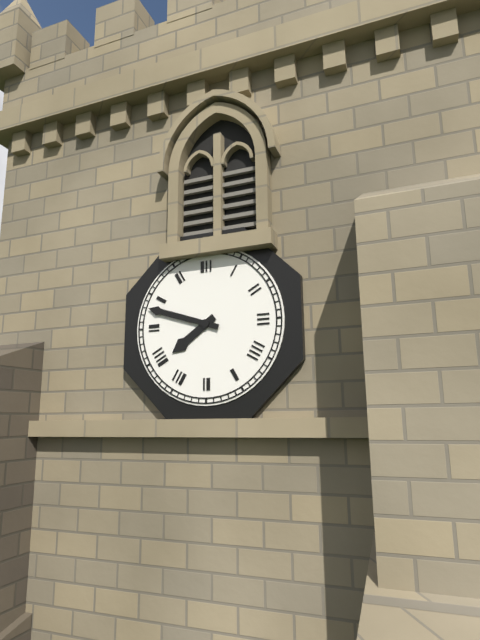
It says 7 h 48 min
